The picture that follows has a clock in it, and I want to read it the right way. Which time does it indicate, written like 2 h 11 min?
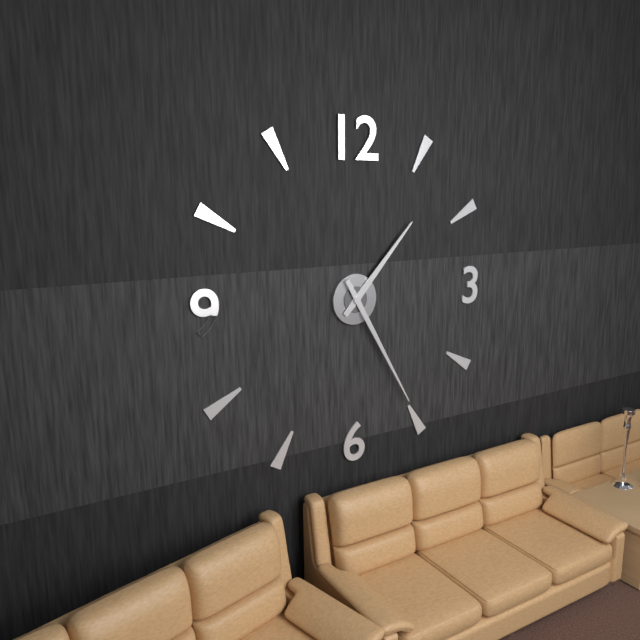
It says 1 h 25 min
